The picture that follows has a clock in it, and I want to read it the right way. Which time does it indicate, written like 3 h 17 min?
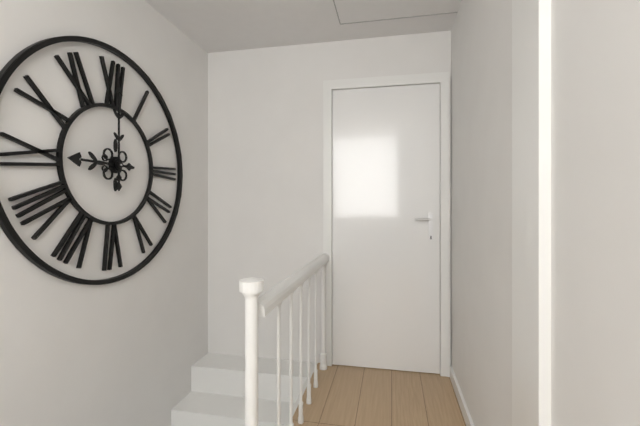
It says 9 h 00 min
